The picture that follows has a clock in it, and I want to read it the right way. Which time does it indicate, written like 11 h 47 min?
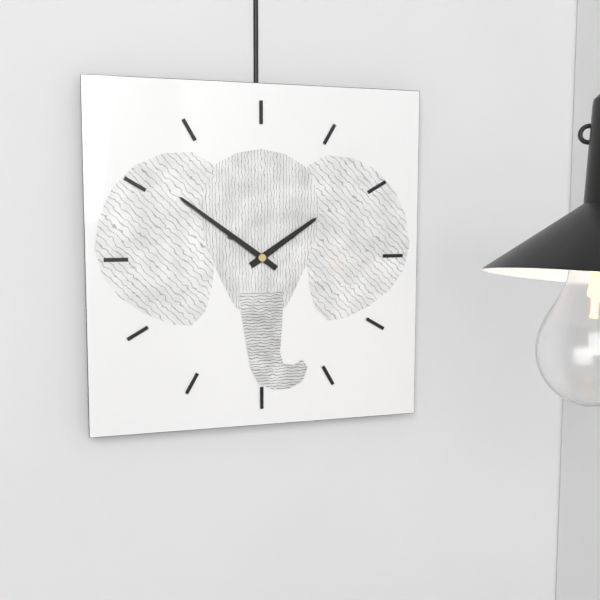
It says 1 h 51 min
